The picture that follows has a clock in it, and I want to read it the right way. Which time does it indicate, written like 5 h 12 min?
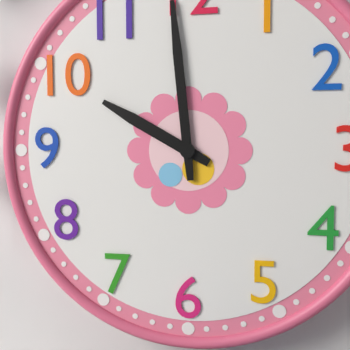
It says 9 h 59 min
